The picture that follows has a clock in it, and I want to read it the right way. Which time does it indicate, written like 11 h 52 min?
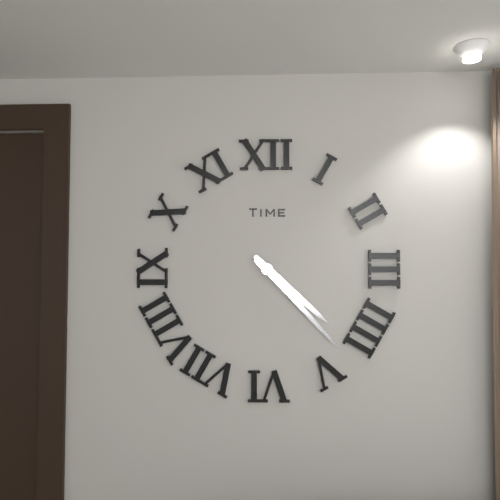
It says 4 h 23 min
